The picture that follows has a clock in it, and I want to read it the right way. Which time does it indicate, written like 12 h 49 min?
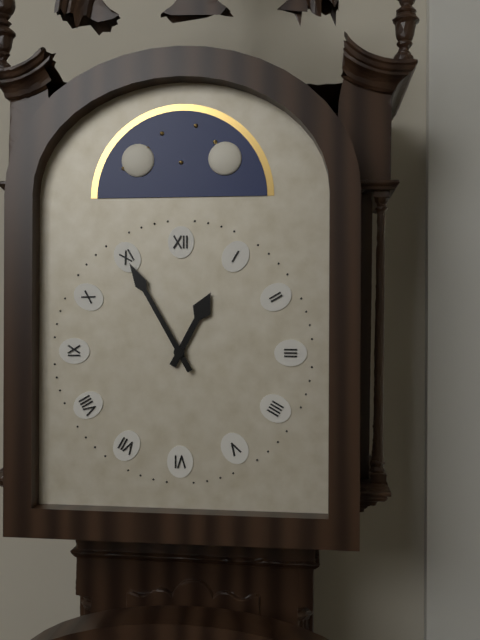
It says 12 h 55 min
